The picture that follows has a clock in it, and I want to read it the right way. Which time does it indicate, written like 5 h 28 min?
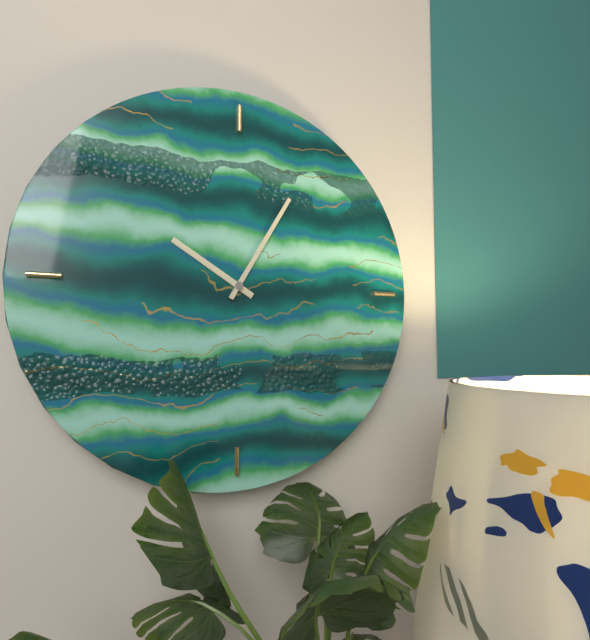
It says 10 h 05 min
